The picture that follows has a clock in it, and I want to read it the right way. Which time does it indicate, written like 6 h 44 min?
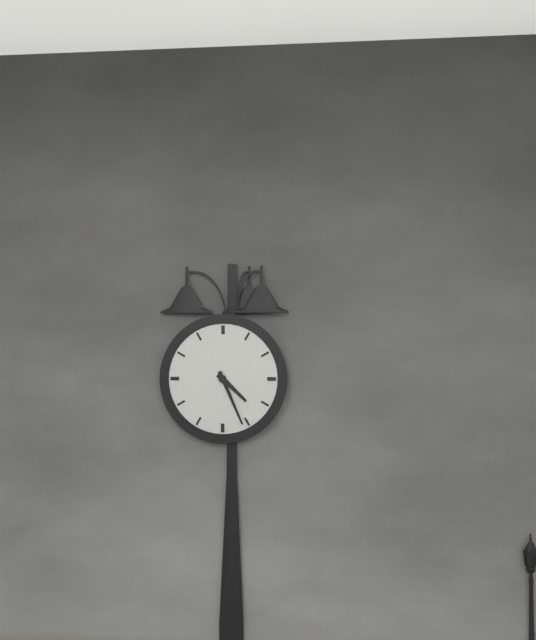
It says 4 h 26 min
